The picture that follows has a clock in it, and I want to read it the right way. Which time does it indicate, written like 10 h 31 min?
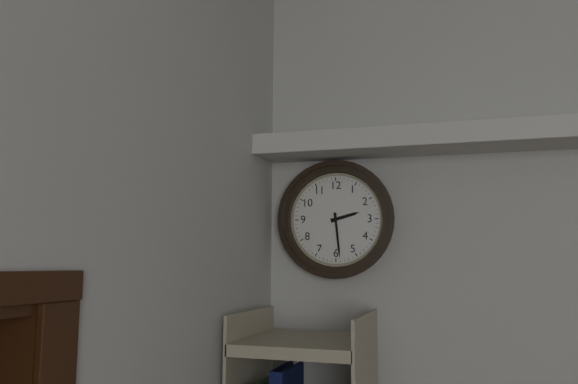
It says 2 h 29 min
